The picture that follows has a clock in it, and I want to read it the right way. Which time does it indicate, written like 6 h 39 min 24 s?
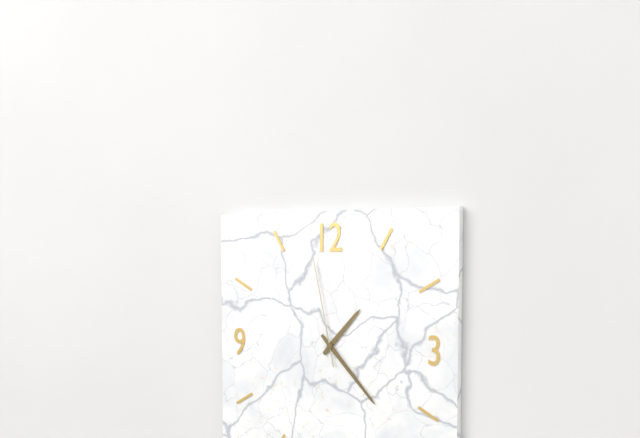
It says 1 h 23 min 58 s
